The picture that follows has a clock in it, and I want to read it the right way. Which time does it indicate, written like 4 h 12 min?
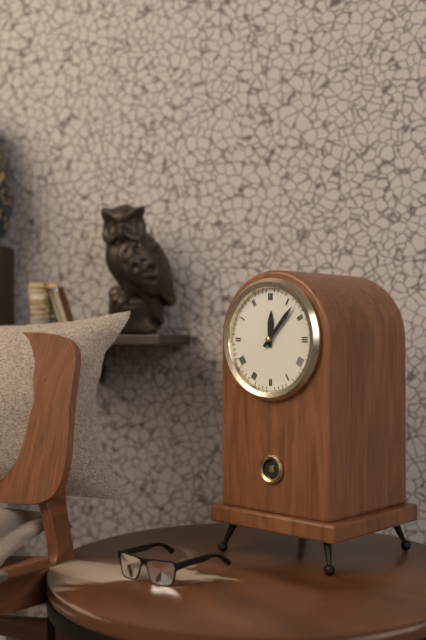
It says 12 h 07 min
